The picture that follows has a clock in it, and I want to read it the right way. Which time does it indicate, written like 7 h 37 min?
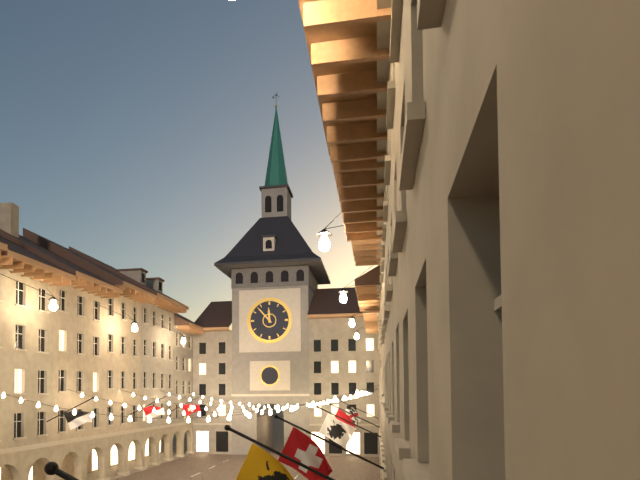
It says 11 h 53 min
